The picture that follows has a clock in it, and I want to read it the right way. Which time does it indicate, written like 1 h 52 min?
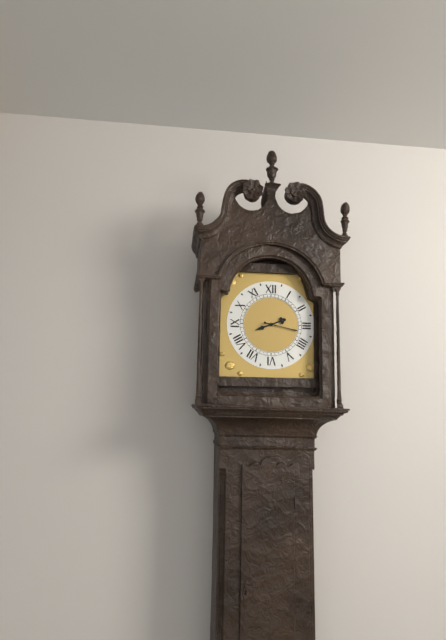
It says 8 h 17 min
